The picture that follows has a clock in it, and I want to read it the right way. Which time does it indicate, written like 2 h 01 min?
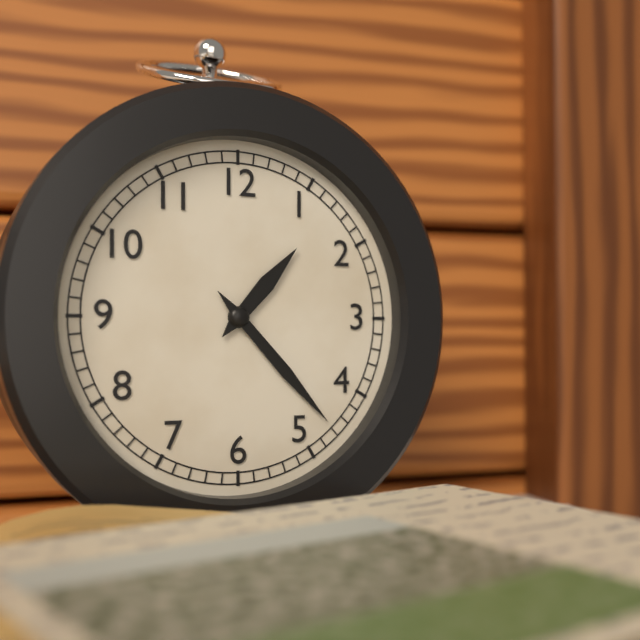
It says 1 h 23 min
